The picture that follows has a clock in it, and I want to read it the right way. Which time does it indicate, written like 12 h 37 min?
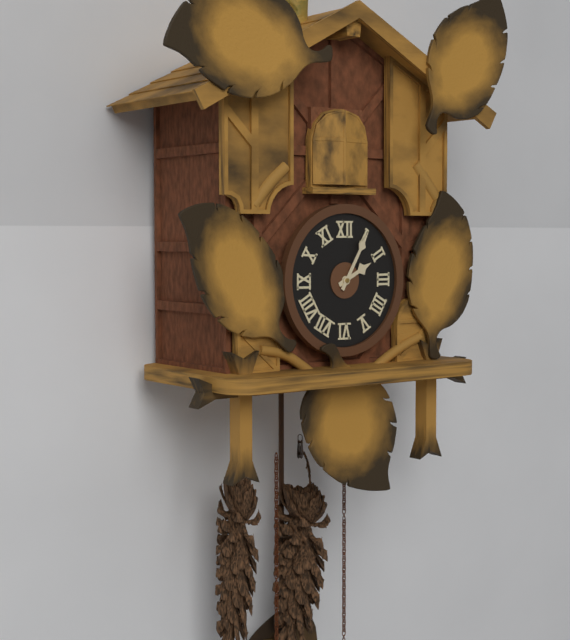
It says 2 h 05 min
